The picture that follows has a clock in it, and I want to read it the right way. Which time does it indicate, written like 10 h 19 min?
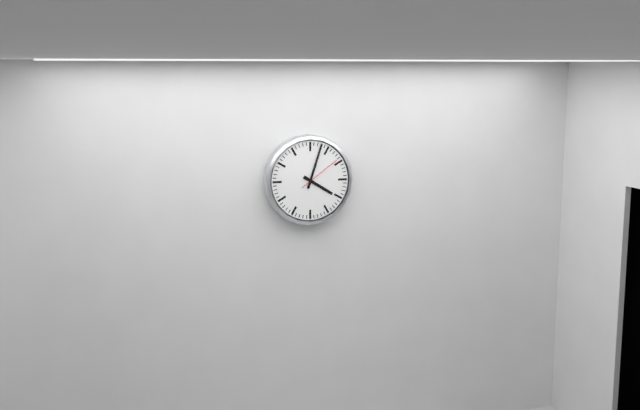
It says 4 h 03 min
